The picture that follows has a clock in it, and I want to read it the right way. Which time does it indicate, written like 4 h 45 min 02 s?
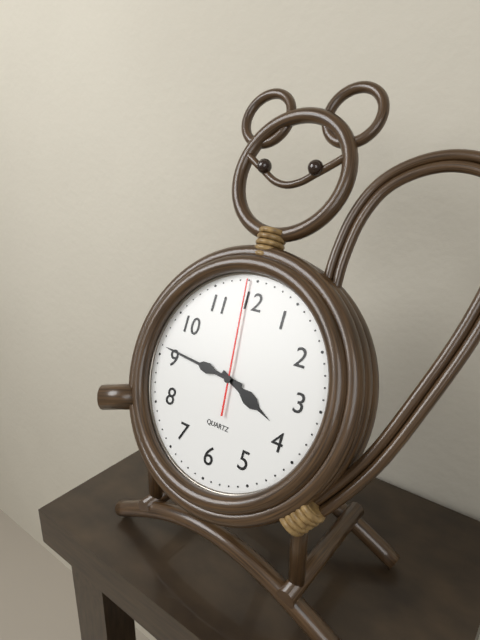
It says 3 h 46 min 59 s
